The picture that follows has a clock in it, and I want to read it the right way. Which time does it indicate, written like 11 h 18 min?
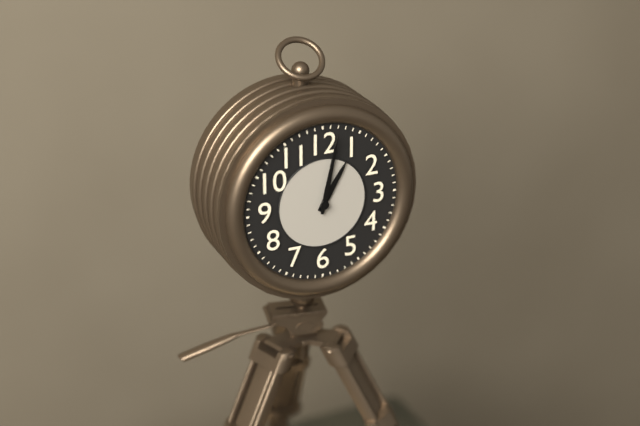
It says 1 h 02 min
